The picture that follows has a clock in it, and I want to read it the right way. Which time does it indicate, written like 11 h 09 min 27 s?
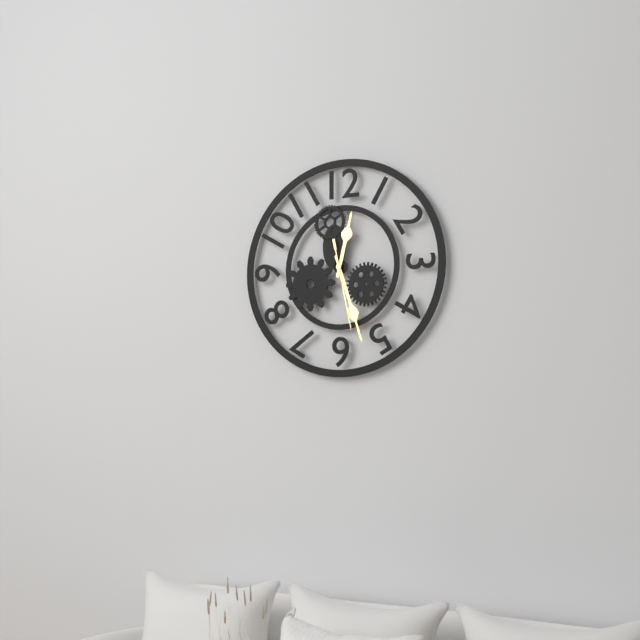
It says 12 h 27 min 28 s
